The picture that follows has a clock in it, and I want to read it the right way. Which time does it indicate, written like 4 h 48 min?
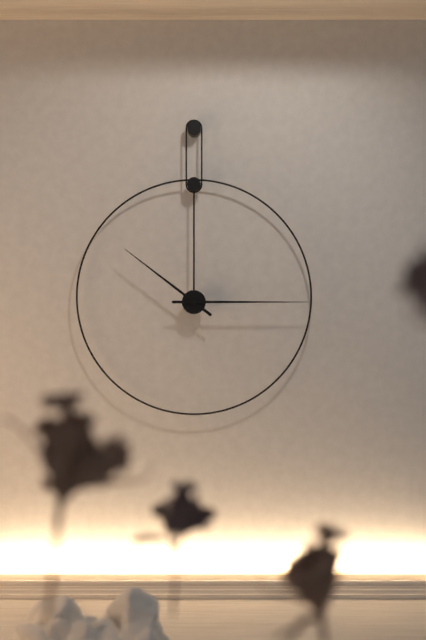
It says 10 h 15 min
